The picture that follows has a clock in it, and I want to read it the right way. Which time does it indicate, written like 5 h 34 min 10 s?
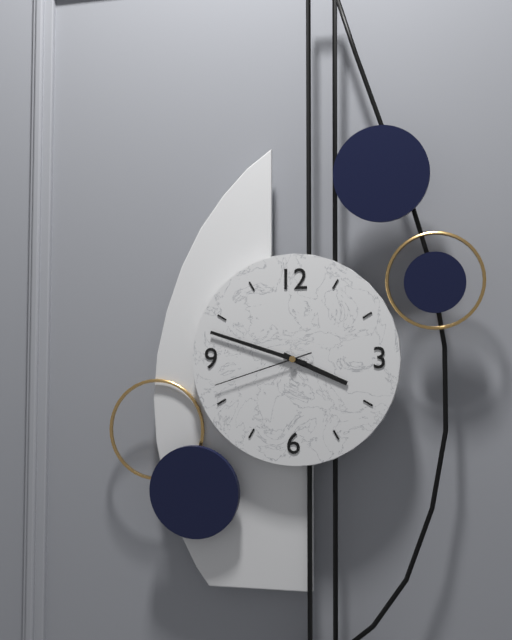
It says 3 h 48 min 42 s
